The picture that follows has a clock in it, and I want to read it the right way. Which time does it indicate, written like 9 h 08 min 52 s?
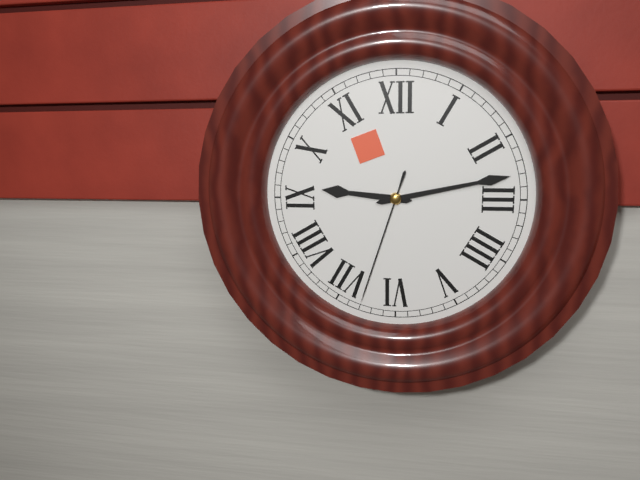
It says 9 h 13 min 33 s
